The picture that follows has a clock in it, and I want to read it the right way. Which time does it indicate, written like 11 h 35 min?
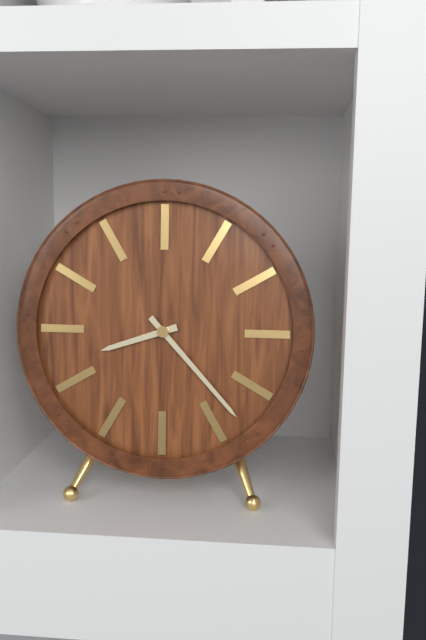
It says 8 h 23 min
